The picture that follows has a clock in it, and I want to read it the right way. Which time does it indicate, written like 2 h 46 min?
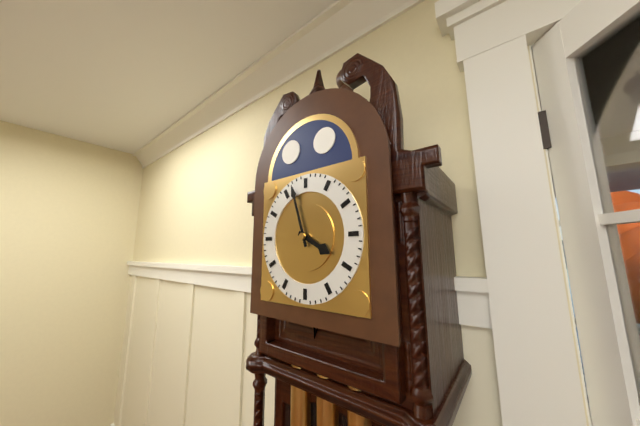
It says 3 h 57 min
